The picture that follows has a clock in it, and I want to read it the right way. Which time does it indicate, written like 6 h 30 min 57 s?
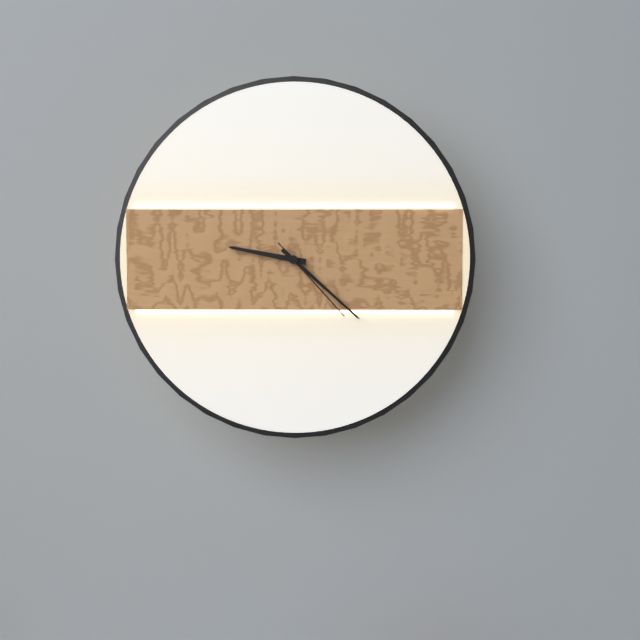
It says 9 h 22 min 23 s
